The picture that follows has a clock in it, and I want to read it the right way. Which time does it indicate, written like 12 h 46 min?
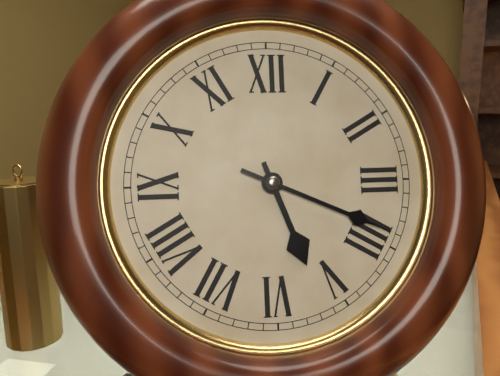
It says 5 h 19 min
